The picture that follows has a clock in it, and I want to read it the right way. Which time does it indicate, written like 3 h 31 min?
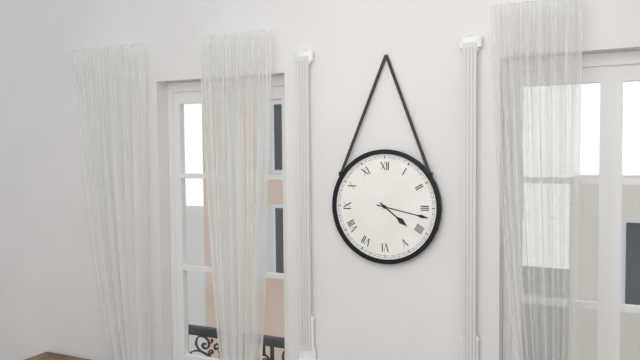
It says 4 h 17 min
